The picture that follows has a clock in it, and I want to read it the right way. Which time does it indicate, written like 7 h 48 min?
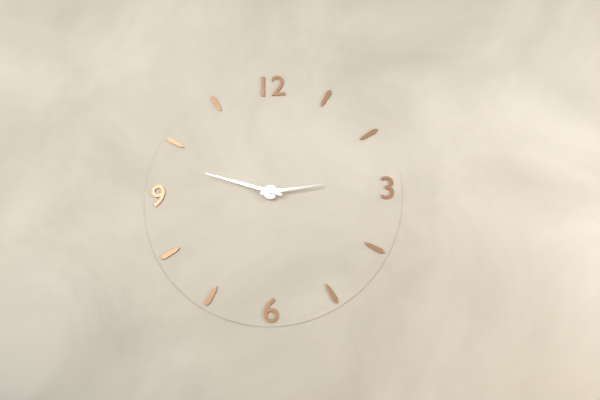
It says 2 h 48 min
